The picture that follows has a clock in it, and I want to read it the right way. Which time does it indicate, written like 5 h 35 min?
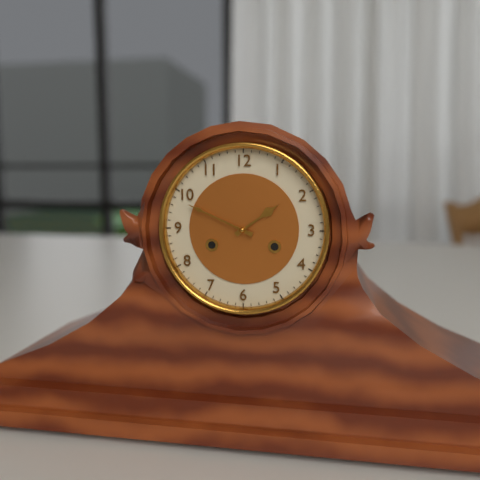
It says 1 h 49 min
